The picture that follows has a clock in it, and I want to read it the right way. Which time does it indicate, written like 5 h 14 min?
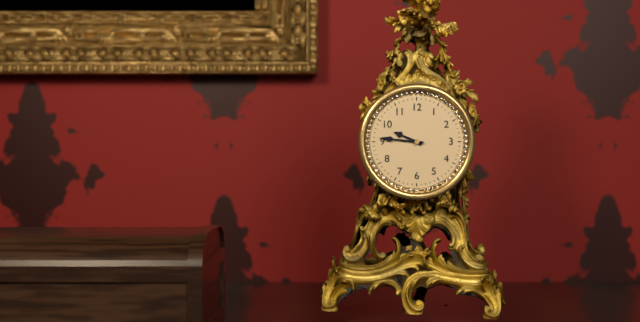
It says 9 h 46 min
